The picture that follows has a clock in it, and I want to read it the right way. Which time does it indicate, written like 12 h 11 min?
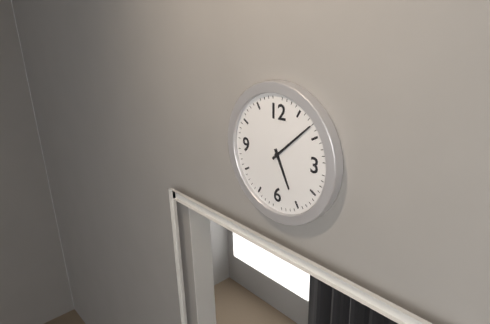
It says 5 h 08 min
